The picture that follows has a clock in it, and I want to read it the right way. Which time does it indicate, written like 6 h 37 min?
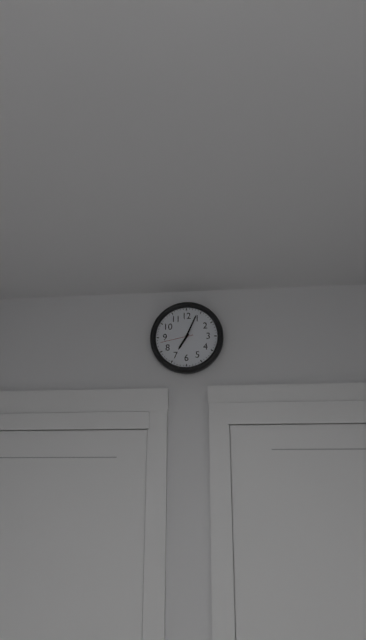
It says 7 h 04 min
